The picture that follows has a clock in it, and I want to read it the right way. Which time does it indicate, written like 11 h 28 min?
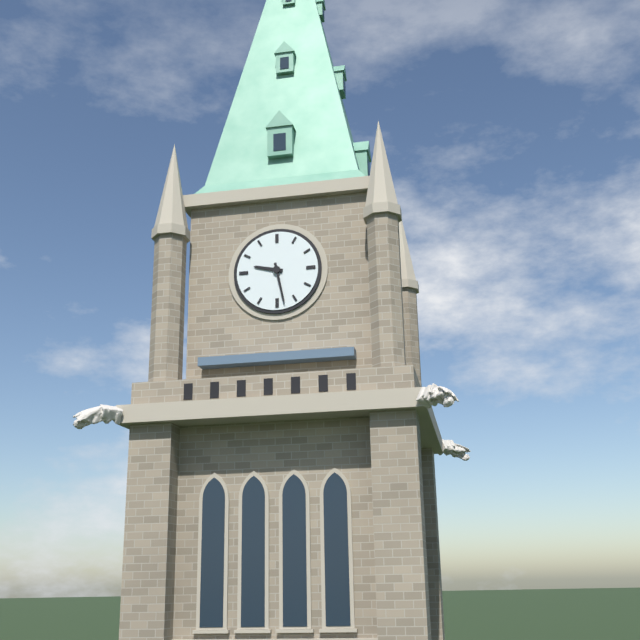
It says 9 h 28 min
